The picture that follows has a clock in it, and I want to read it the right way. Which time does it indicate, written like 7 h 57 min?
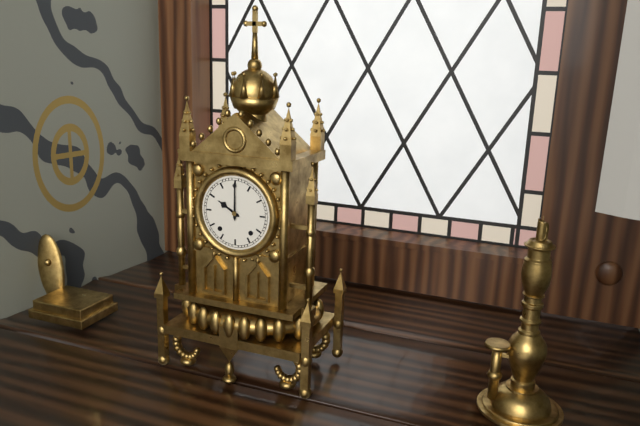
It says 10 h 00 min
